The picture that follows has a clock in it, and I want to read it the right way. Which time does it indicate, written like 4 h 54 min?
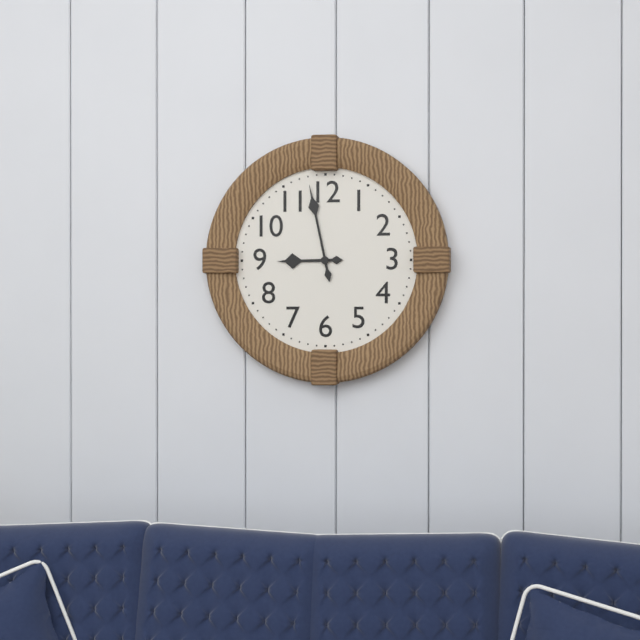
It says 8 h 58 min
